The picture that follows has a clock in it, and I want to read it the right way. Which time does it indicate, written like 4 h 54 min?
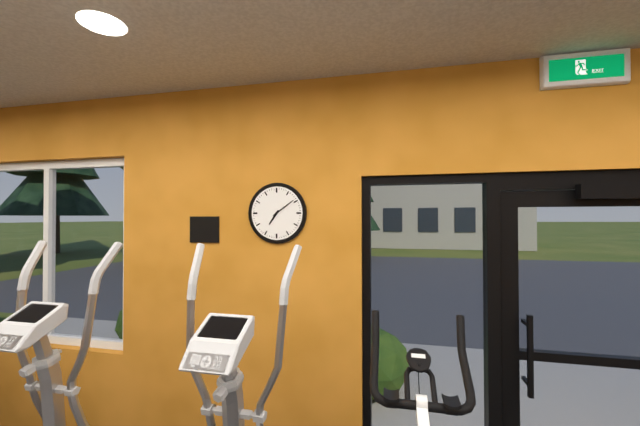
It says 7 h 09 min
